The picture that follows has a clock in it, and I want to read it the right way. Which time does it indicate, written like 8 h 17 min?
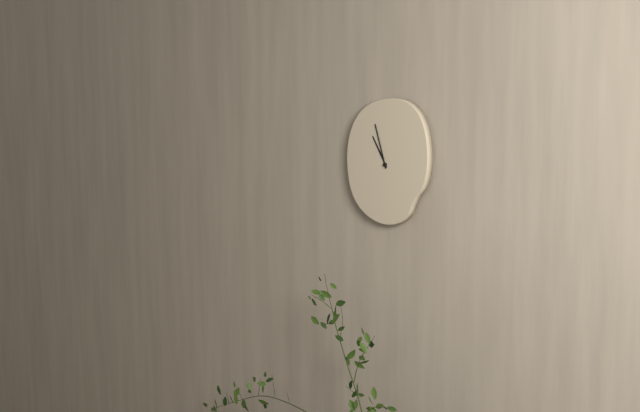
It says 10 h 57 min
